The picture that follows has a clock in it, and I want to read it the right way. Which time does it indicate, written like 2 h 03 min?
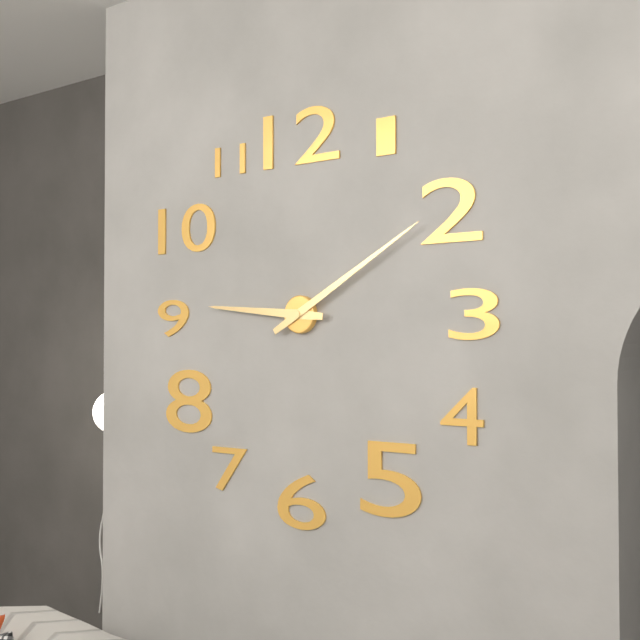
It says 9 h 10 min
